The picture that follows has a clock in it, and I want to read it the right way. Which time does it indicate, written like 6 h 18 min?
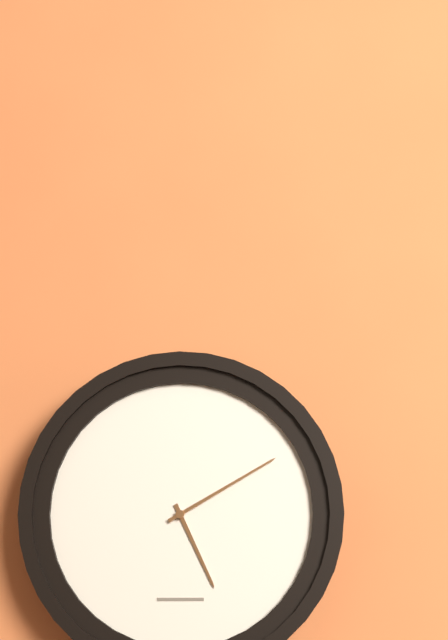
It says 5 h 10 min
